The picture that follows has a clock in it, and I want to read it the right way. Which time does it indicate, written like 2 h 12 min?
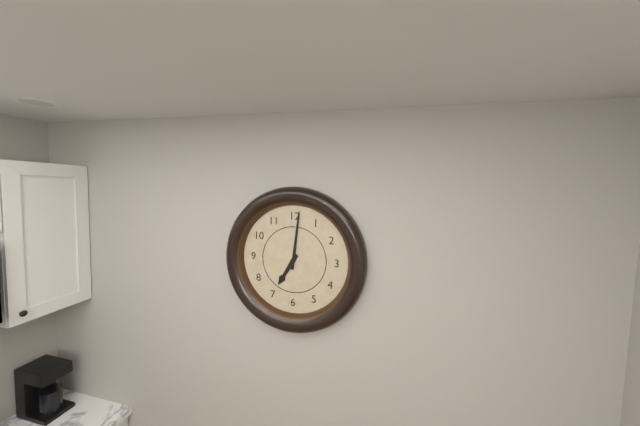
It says 7 h 01 min
